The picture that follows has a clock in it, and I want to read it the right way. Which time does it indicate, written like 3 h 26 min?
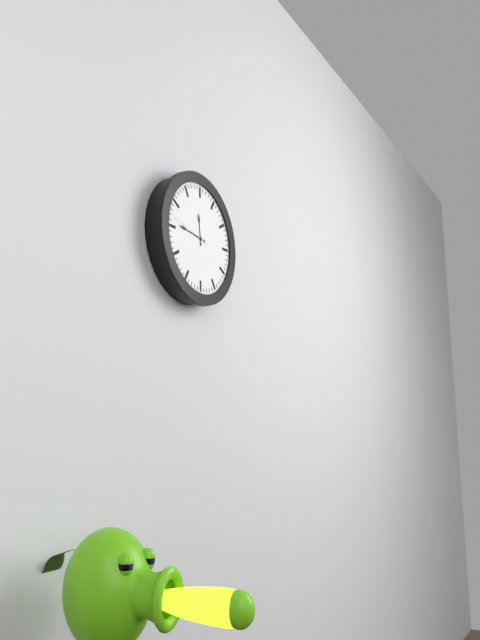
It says 11 h 46 min
